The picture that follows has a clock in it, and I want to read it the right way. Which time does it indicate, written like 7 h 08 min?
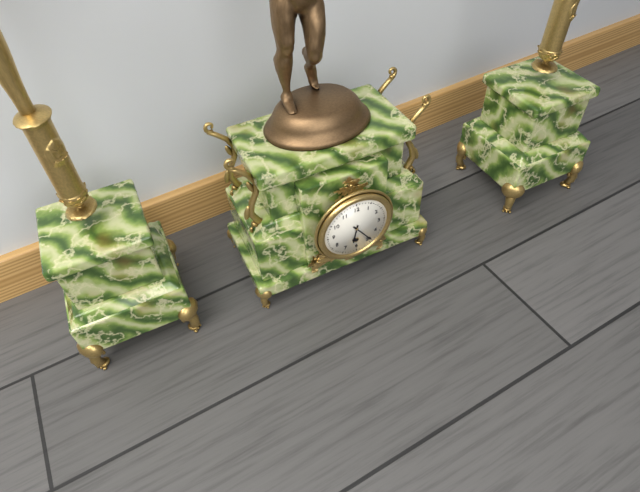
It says 6 h 24 min
